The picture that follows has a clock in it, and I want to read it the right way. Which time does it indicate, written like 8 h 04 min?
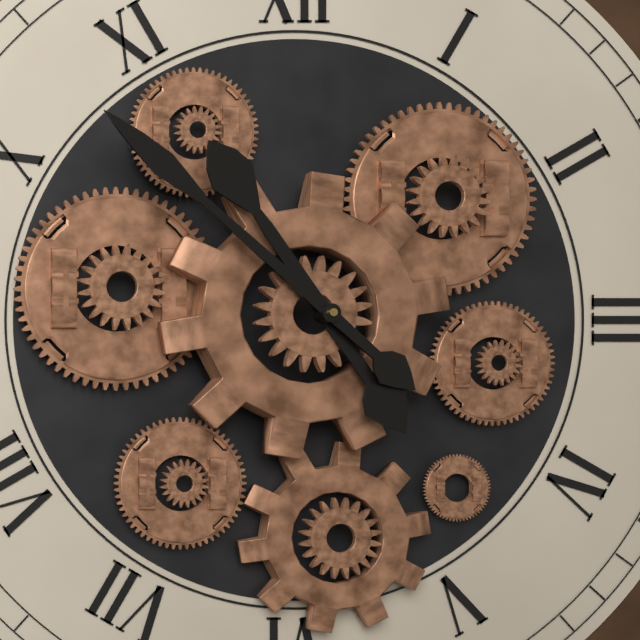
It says 10 h 52 min
